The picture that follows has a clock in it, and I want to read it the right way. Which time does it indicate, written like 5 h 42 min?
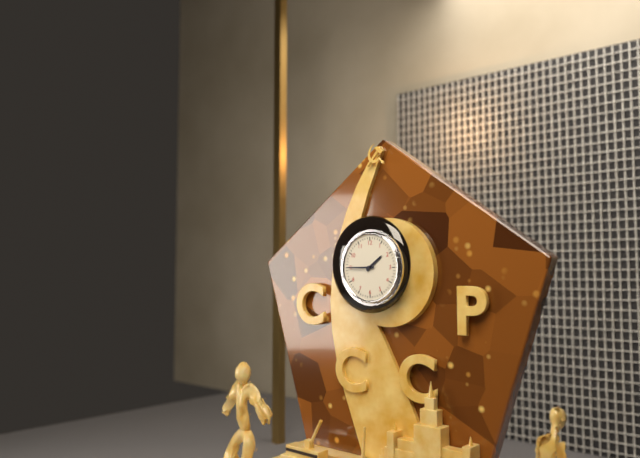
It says 1 h 45 min
